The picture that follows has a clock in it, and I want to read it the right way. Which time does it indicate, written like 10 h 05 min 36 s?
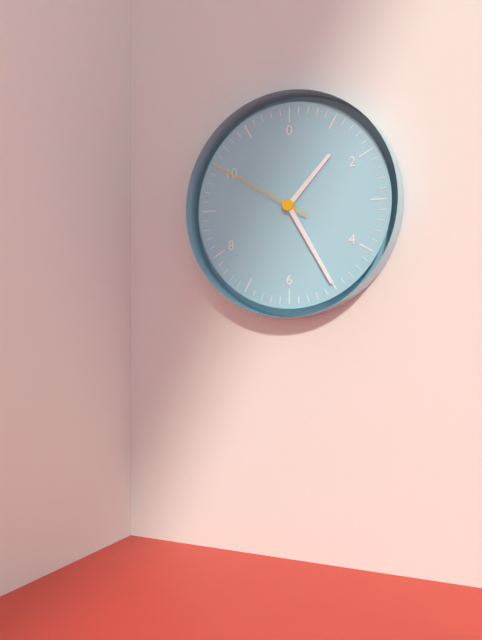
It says 1 h 25 min 50 s
